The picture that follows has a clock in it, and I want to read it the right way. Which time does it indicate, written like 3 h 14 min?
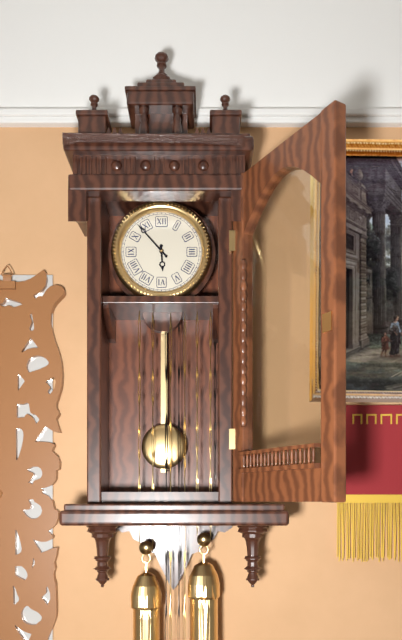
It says 5 h 53 min
